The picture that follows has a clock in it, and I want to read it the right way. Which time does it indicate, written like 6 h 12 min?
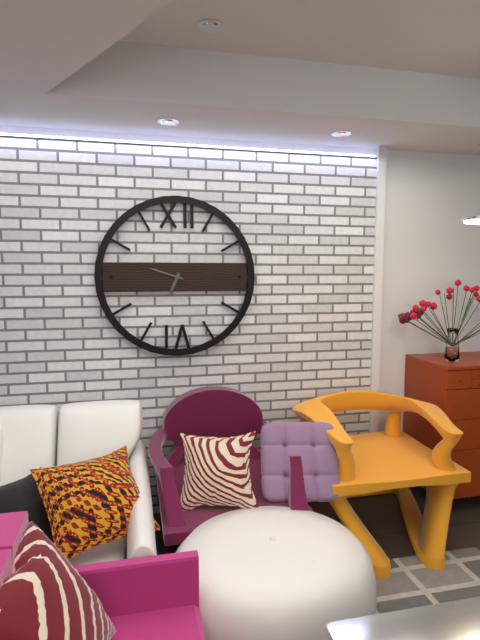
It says 6 h 48 min
